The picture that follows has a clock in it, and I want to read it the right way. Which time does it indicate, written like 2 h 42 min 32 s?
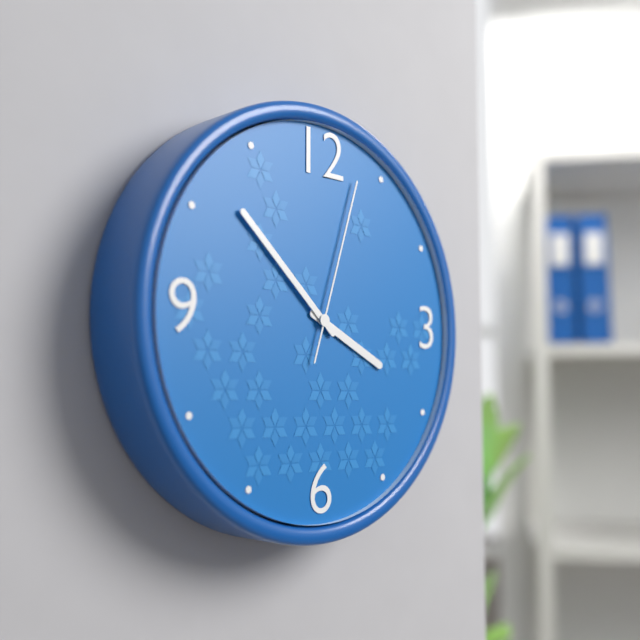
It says 3 h 52 min 03 s
